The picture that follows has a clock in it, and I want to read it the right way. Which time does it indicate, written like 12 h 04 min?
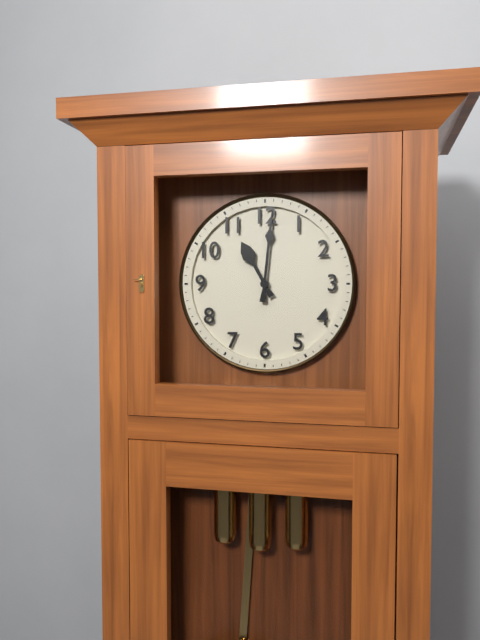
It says 11 h 01 min
